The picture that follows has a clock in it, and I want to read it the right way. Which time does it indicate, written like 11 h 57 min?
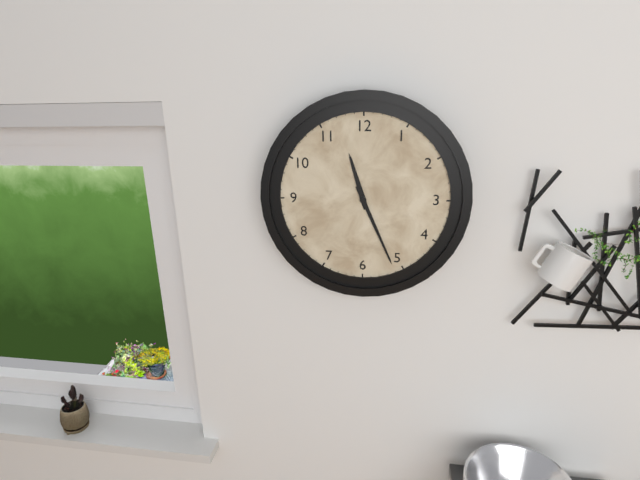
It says 11 h 26 min
